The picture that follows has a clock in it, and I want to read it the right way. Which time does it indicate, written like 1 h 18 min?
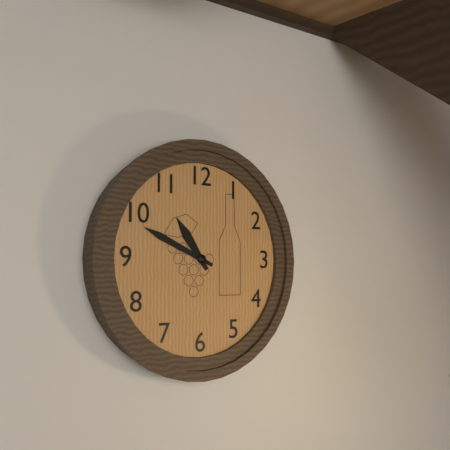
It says 10 h 49 min
